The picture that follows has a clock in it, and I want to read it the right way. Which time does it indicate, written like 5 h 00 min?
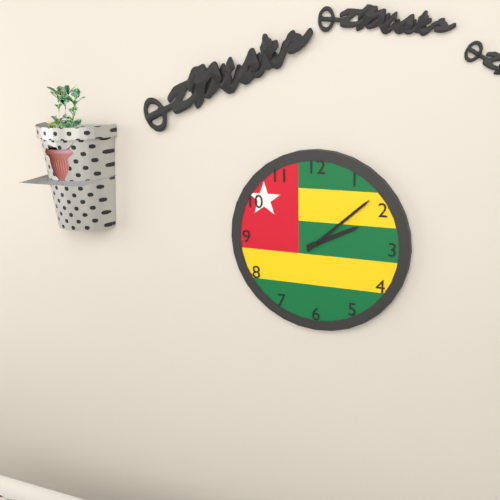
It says 2 h 08 min
